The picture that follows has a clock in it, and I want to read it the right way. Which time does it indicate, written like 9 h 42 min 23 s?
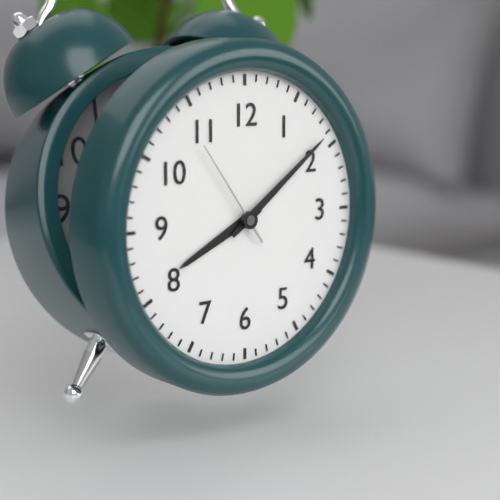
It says 8 h 09 min 54 s
